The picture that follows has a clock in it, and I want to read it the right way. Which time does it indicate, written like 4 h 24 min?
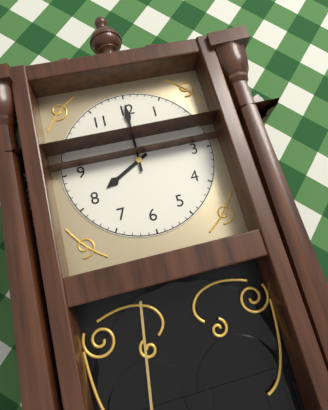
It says 8 h 00 min
